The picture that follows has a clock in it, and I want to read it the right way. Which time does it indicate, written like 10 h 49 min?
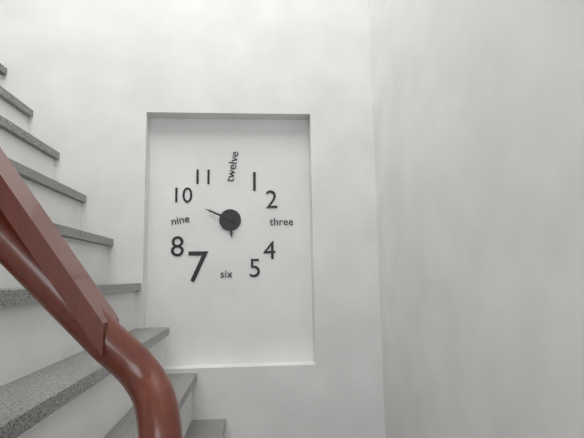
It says 5 h 49 min
